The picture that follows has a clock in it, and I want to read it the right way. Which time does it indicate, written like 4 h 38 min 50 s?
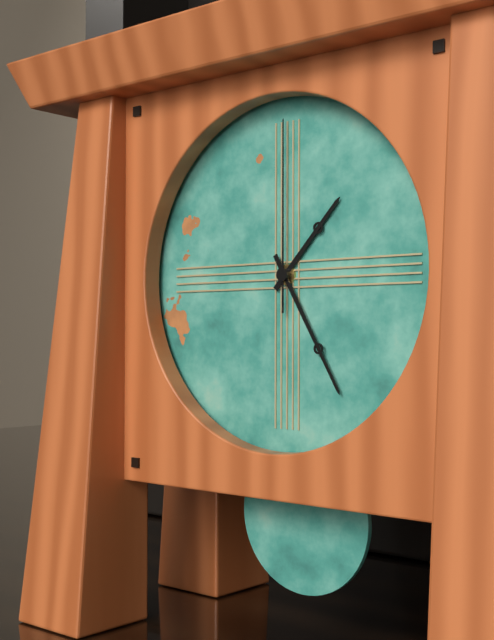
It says 1 h 25 min 00 s
